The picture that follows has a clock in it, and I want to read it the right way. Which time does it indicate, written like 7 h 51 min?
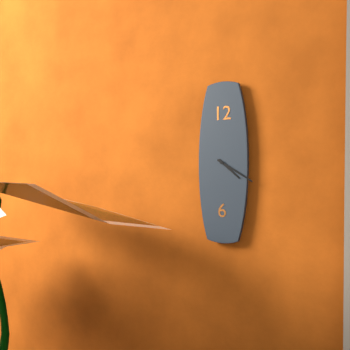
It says 4 h 20 min
